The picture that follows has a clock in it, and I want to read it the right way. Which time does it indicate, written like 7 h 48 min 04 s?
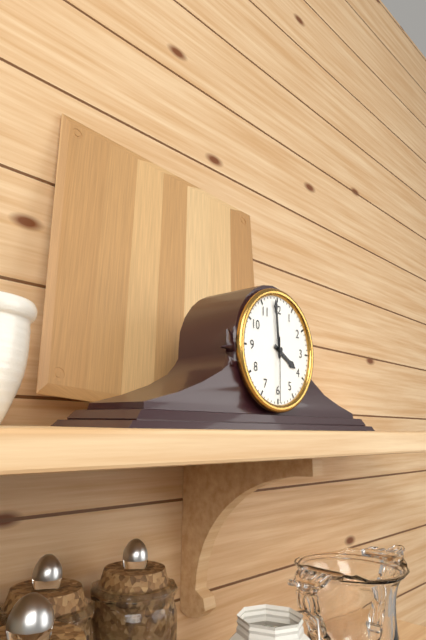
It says 3 h 59 min 30 s
